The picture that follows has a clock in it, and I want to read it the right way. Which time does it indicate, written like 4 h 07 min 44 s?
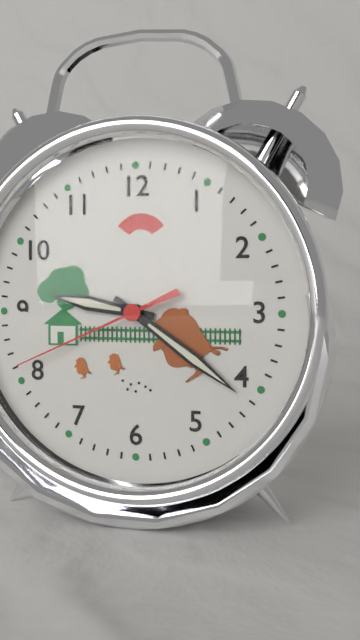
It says 9 h 21 min 41 s
